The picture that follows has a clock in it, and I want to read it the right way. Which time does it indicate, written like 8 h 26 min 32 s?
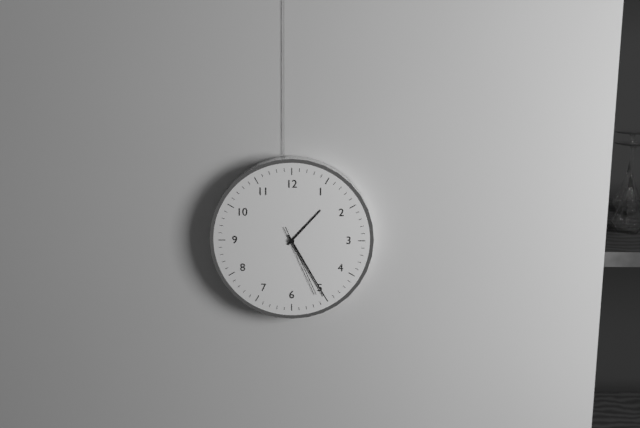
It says 1 h 25 min 26 s
